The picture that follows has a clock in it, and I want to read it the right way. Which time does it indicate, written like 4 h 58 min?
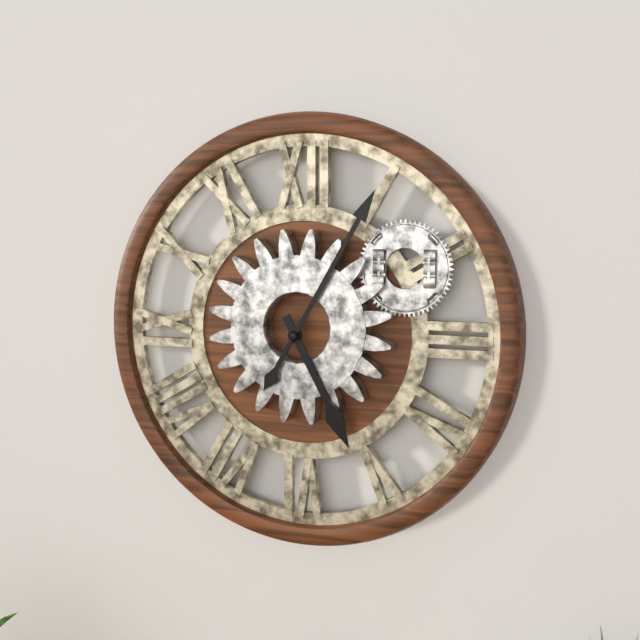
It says 5 h 05 min
